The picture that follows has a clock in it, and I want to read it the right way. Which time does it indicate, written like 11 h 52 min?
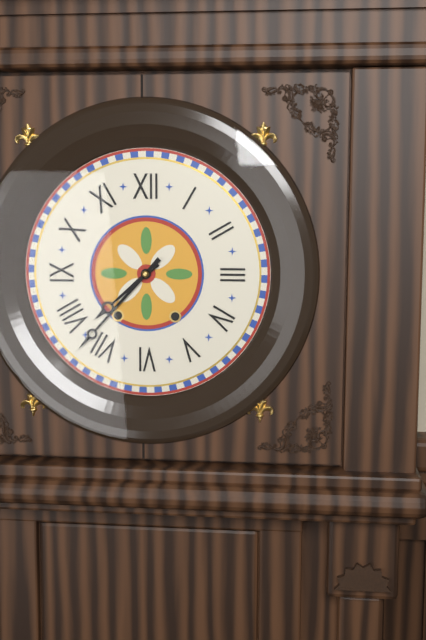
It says 7 h 37 min
